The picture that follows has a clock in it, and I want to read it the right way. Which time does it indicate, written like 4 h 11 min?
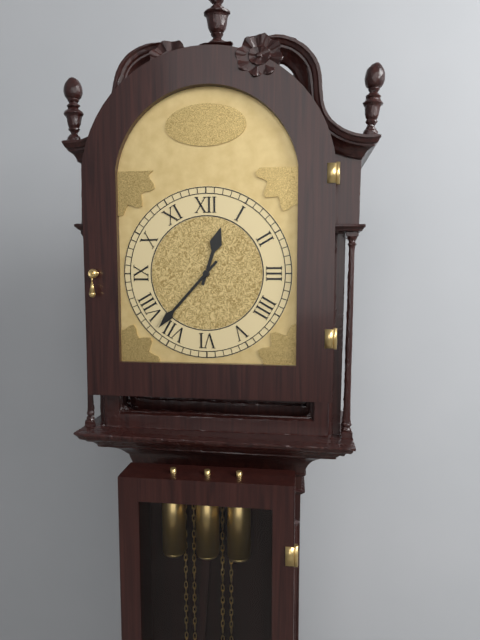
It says 12 h 37 min
